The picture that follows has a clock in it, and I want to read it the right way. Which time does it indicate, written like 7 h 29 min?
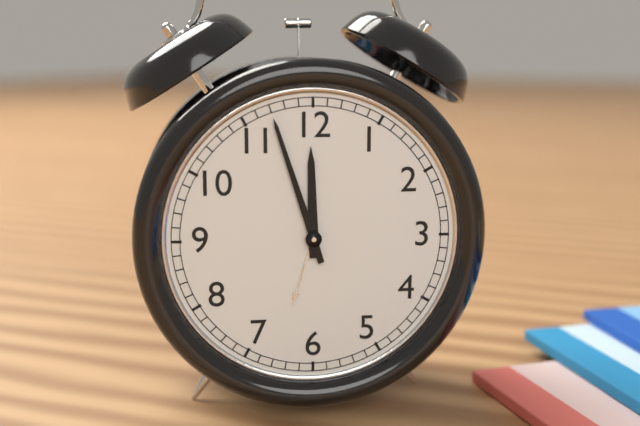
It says 11 h 57 min
